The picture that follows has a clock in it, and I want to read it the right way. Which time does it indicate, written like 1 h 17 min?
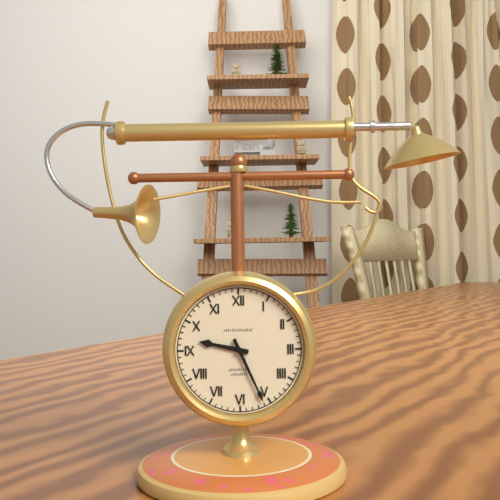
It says 9 h 26 min
